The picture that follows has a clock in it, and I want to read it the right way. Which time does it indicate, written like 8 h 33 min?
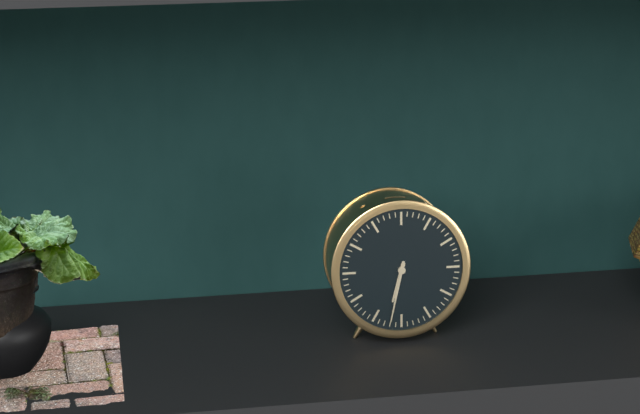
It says 6 h 32 min
